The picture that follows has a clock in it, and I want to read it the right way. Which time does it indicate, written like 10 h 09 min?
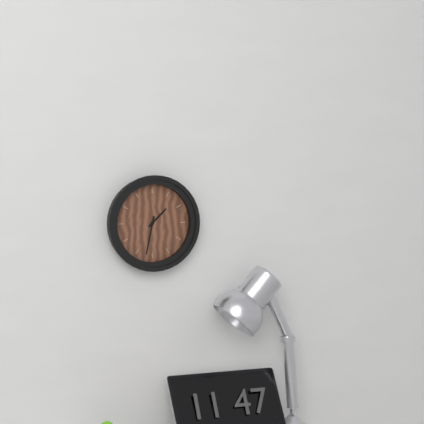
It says 1 h 32 min
